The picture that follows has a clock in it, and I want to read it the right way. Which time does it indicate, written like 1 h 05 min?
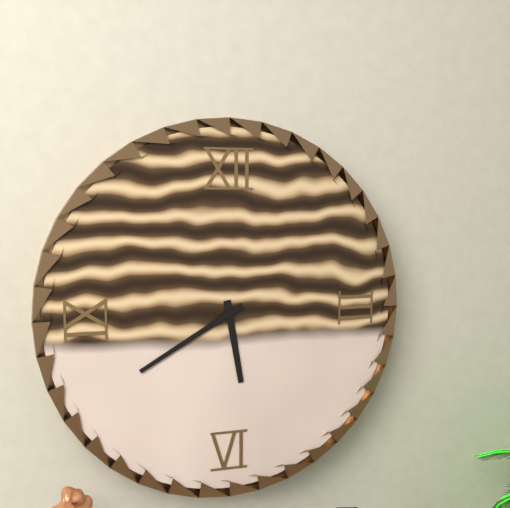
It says 5 h 40 min
